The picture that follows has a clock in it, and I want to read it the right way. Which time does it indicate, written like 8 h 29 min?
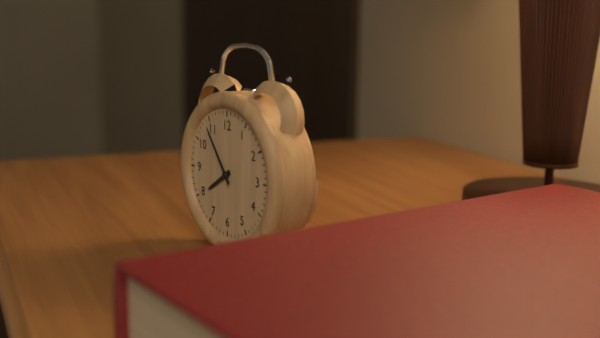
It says 7 h 54 min
